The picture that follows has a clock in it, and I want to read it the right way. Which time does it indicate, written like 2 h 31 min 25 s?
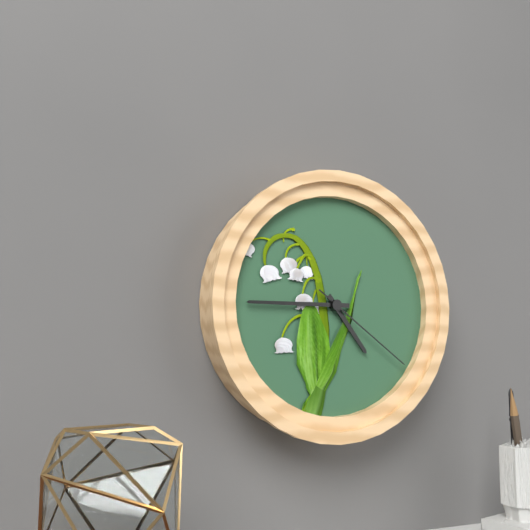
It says 4 h 45 min 21 s
